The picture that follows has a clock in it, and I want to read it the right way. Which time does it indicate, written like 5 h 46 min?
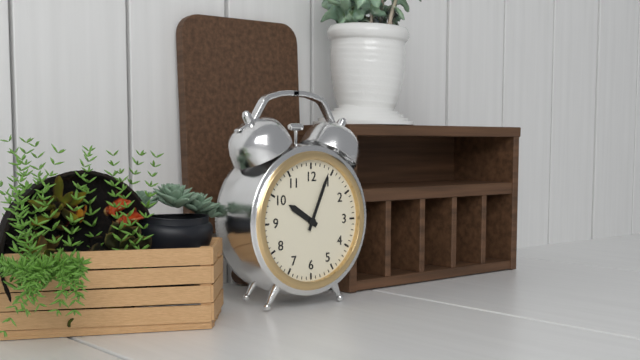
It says 10 h 04 min
